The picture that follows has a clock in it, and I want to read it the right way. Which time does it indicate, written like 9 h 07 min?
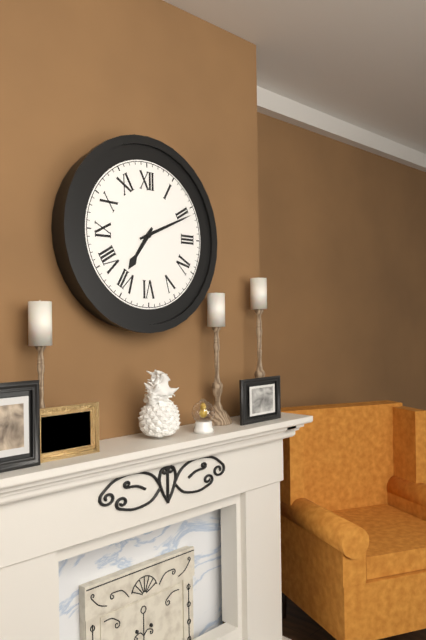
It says 7 h 11 min
